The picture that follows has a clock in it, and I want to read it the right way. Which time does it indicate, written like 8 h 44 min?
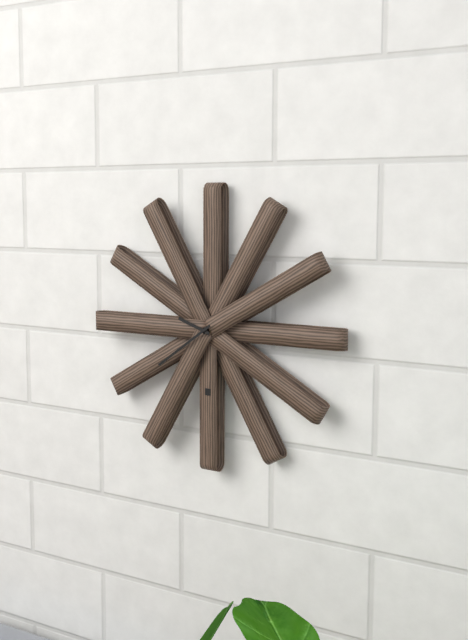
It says 9 h 39 min
